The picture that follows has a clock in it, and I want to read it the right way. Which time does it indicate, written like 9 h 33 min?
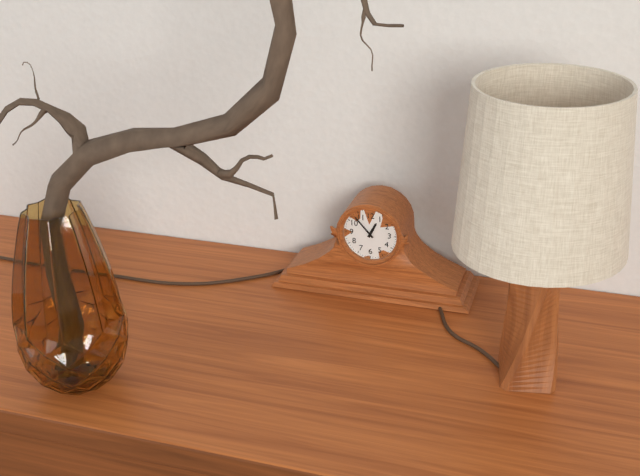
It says 12 h 53 min
